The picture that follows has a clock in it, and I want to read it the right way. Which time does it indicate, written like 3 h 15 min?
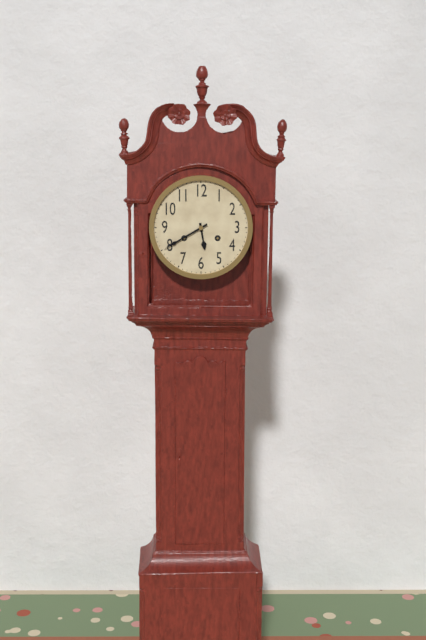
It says 5 h 40 min
